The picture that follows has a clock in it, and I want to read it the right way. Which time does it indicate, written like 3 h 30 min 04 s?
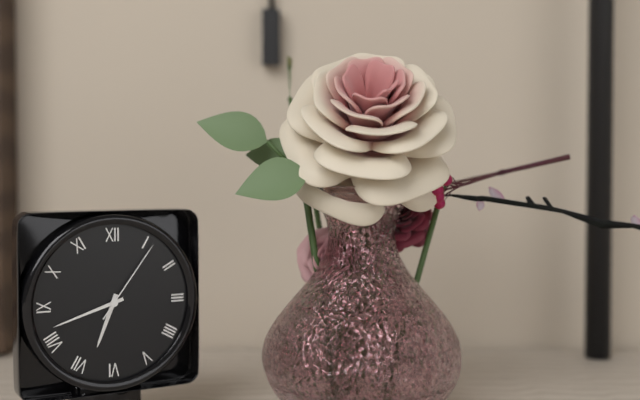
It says 6 h 42 min 06 s
